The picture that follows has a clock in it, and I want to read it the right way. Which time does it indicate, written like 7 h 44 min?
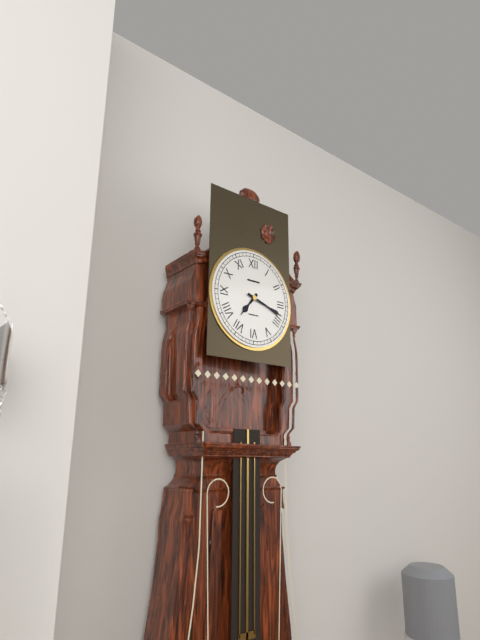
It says 7 h 18 min
